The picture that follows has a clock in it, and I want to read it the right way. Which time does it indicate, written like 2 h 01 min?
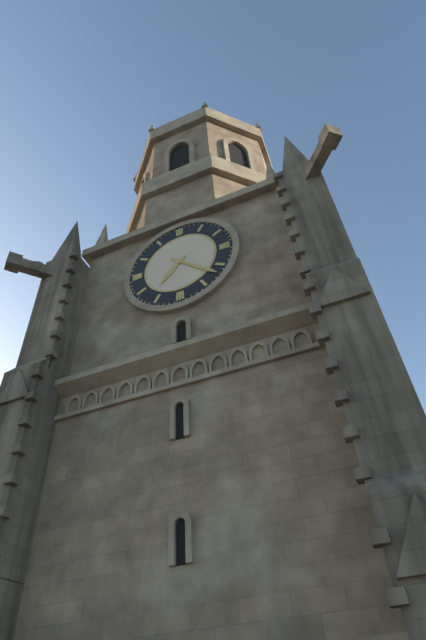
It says 7 h 22 min
